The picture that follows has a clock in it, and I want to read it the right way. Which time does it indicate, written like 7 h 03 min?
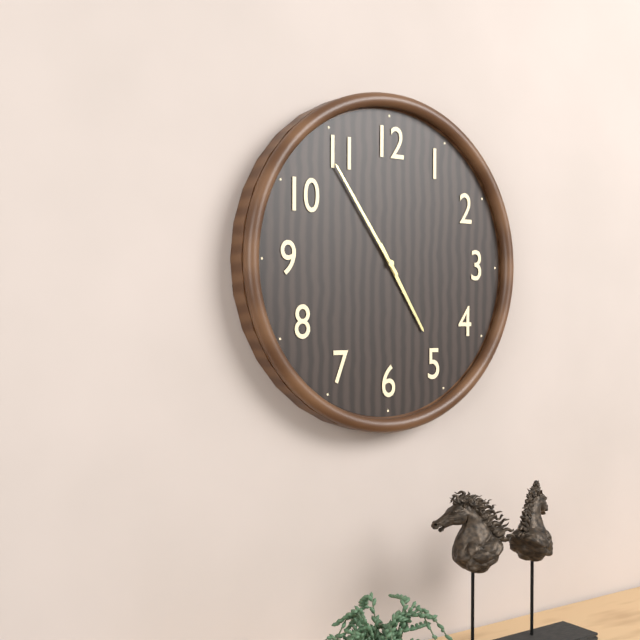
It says 4 h 54 min
